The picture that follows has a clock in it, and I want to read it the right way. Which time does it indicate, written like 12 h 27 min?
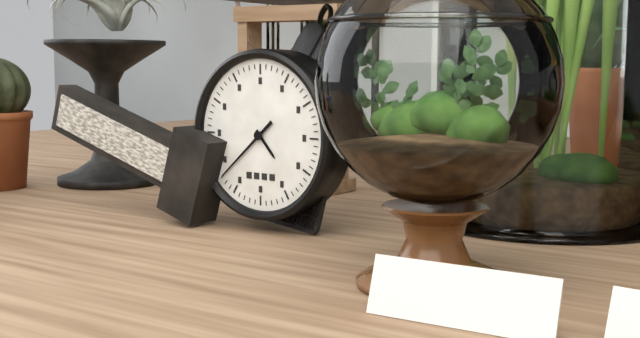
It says 4 h 38 min
